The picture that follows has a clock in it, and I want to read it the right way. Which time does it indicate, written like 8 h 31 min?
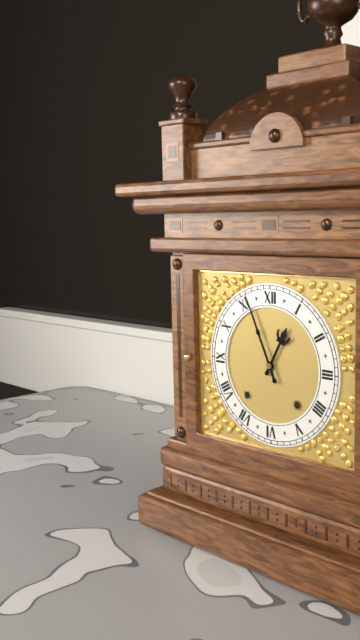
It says 12 h 56 min
